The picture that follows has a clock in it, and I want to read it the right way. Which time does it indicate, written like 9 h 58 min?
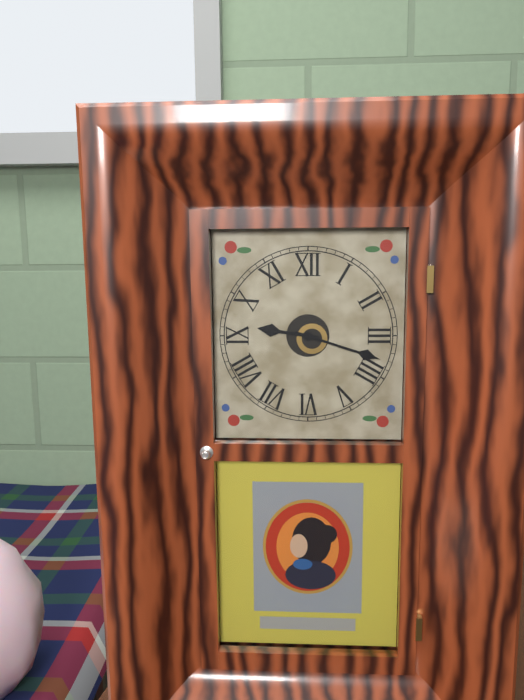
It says 9 h 18 min
